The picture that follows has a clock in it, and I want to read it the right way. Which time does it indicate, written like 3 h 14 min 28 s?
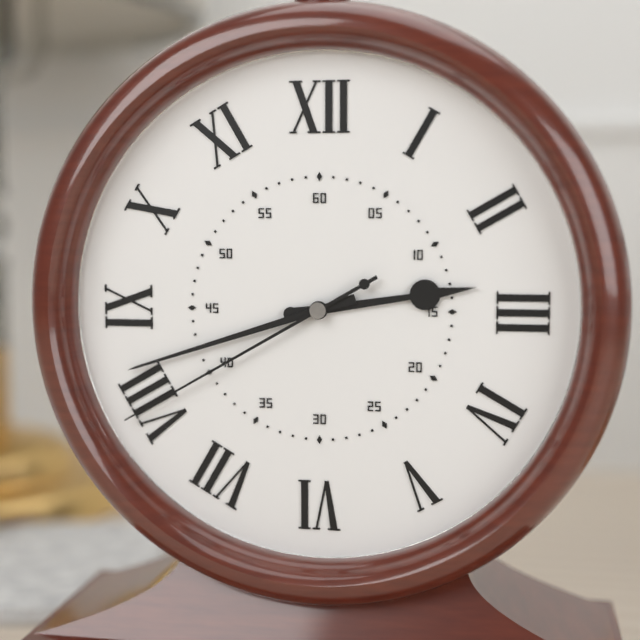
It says 2 h 42 min 40 s
